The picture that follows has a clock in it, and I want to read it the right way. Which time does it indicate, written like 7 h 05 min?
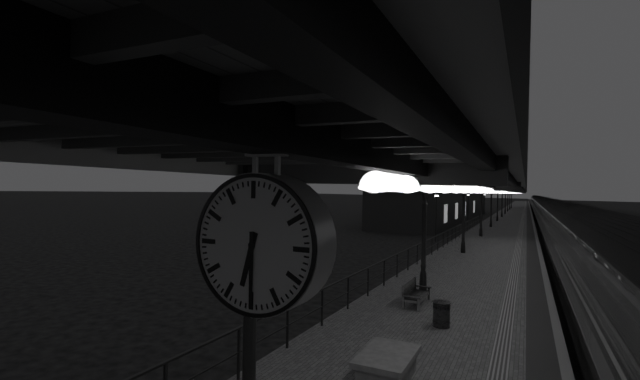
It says 6 h 30 min
